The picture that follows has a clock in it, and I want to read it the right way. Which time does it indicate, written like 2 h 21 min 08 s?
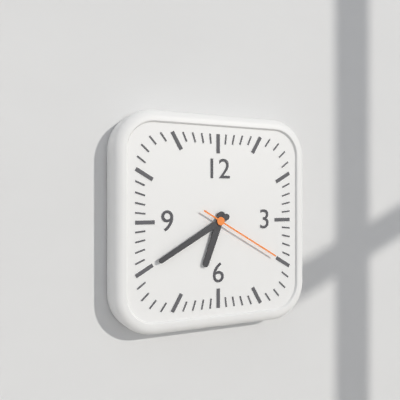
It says 6 h 40 min 20 s
